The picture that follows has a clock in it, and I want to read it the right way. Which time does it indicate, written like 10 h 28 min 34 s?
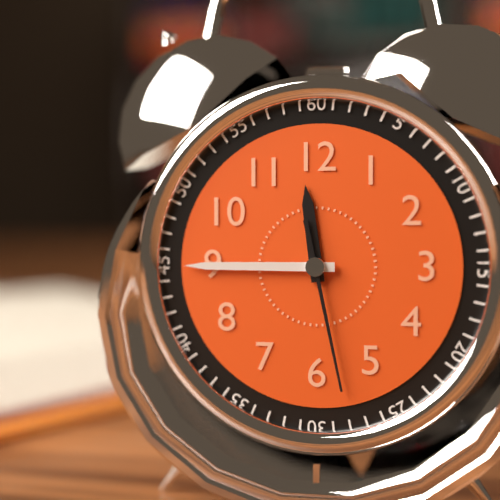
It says 11 h 45 min 28 s
